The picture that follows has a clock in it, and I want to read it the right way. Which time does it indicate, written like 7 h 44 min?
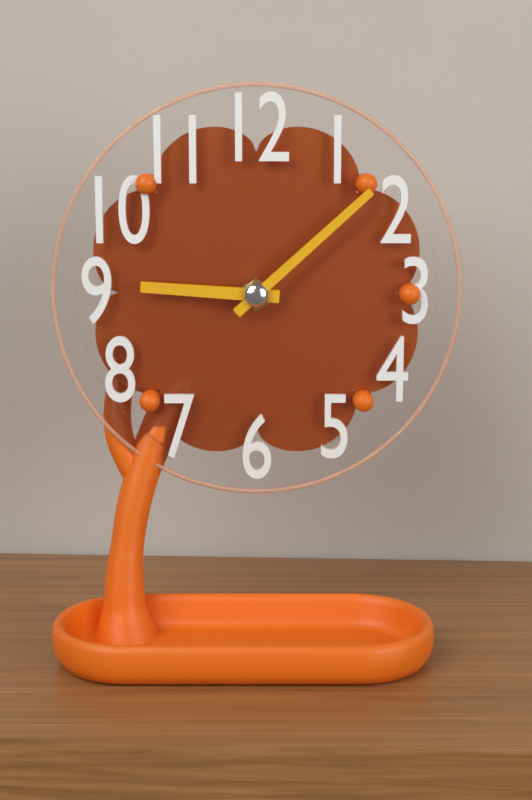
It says 9 h 08 min
